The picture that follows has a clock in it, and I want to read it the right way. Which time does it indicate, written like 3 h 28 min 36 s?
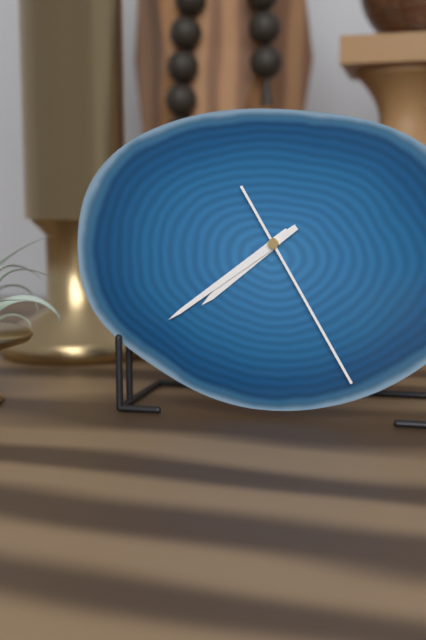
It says 7 h 39 min 25 s
